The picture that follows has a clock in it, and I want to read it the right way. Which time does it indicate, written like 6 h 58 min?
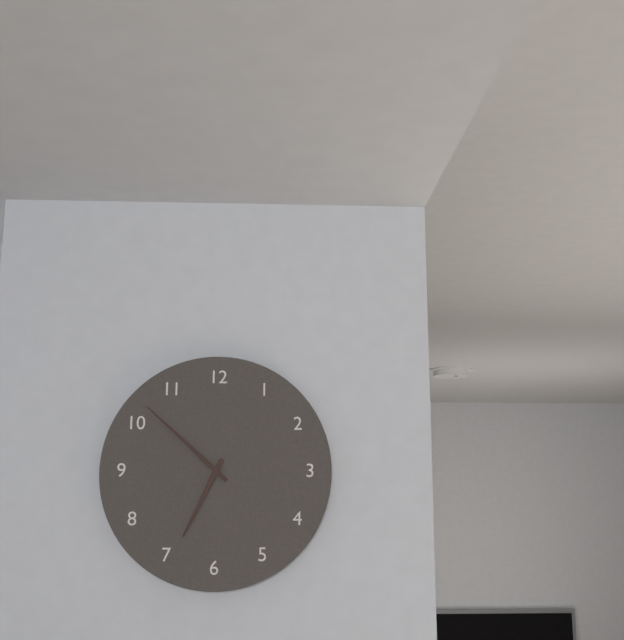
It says 6 h 52 min
